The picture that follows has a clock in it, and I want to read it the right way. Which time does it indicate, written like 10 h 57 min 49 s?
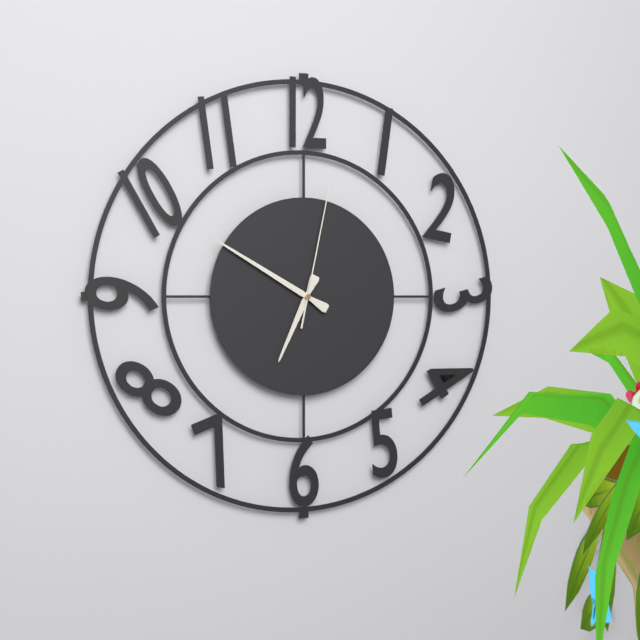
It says 6 h 50 min 02 s
